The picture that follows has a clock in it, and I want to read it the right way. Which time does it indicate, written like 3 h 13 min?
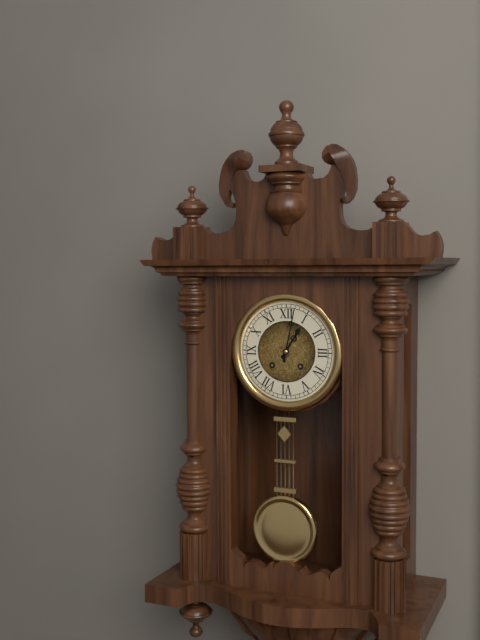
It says 1 h 02 min
